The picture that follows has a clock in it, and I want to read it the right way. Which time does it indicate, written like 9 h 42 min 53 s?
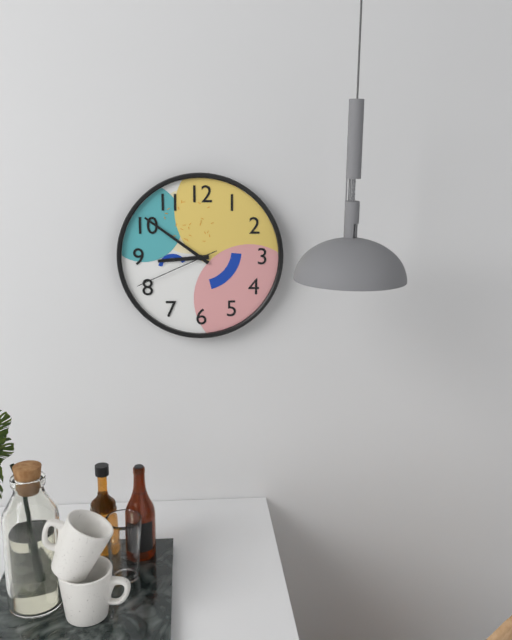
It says 8 h 51 min 41 s
